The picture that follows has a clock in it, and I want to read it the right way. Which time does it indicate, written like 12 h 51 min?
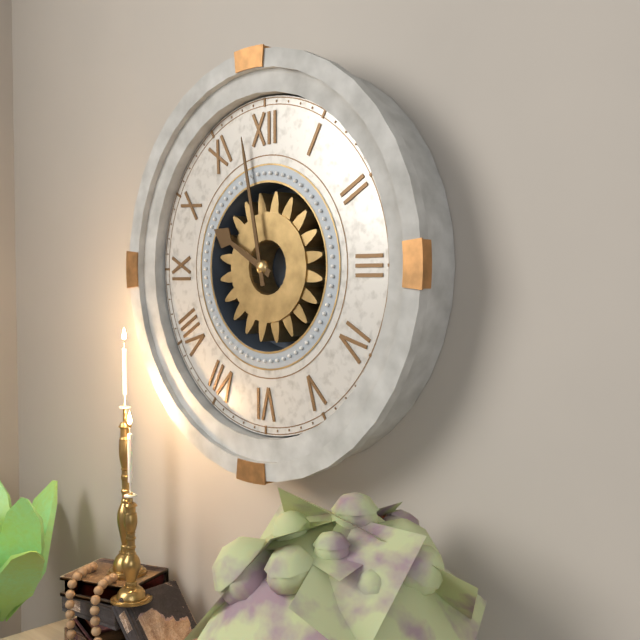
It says 9 h 58 min
